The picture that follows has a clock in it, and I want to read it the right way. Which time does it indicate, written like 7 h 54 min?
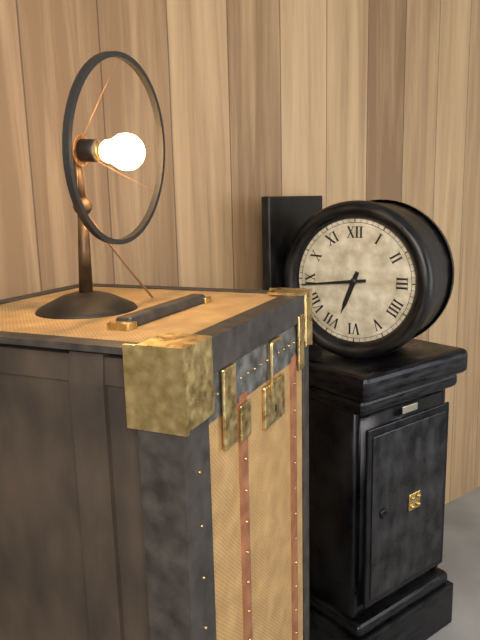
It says 6 h 44 min
